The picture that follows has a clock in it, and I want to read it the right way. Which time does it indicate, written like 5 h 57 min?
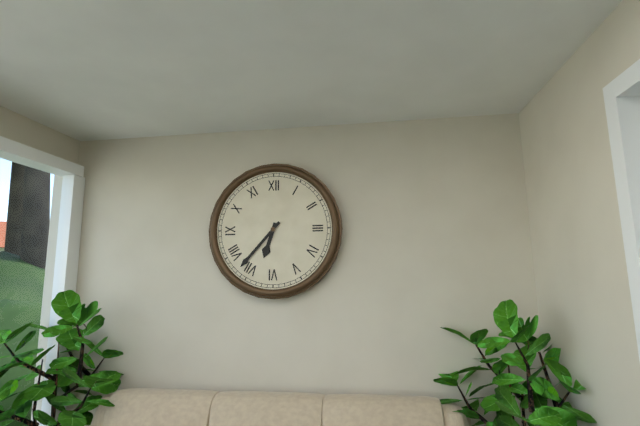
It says 6 h 37 min
